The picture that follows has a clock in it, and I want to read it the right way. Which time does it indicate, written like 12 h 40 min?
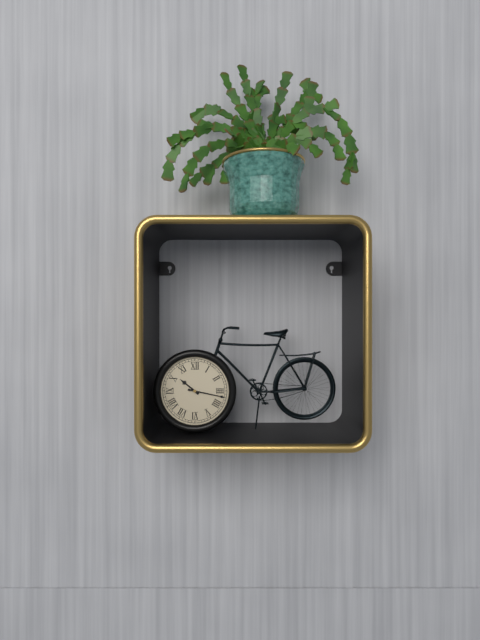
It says 10 h 17 min
